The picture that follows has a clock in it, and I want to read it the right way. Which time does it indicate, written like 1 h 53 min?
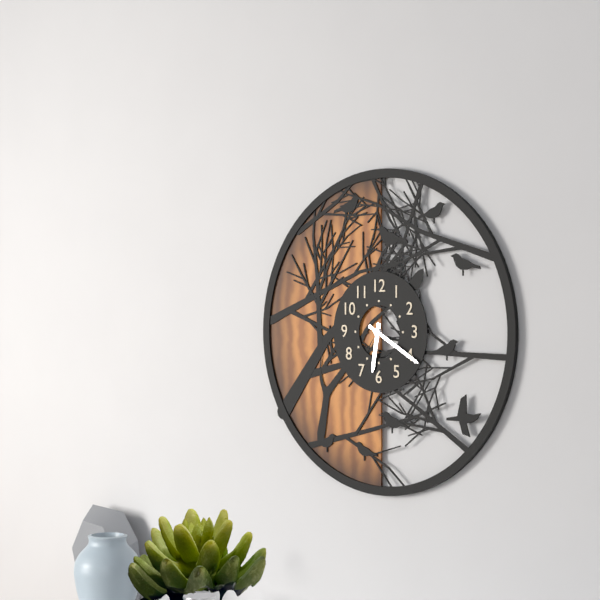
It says 6 h 20 min
